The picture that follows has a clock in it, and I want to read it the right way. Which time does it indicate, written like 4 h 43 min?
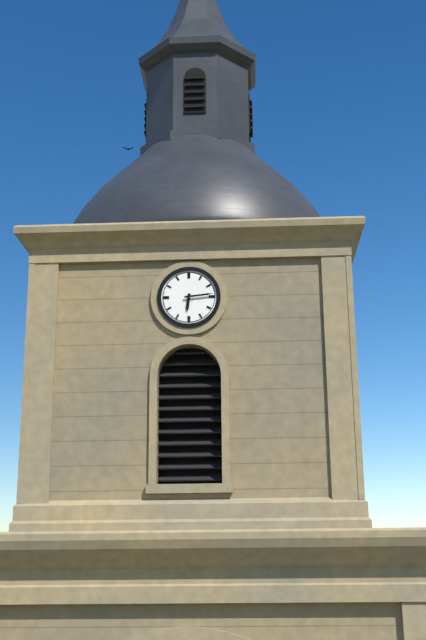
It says 6 h 14 min
